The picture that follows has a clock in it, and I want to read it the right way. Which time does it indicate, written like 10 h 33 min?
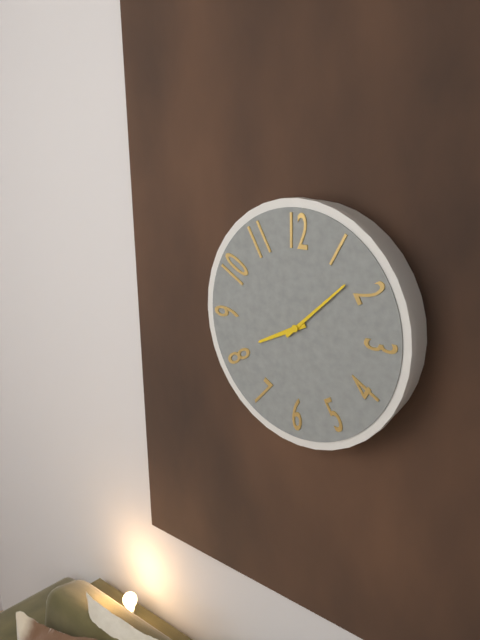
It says 8 h 08 min
